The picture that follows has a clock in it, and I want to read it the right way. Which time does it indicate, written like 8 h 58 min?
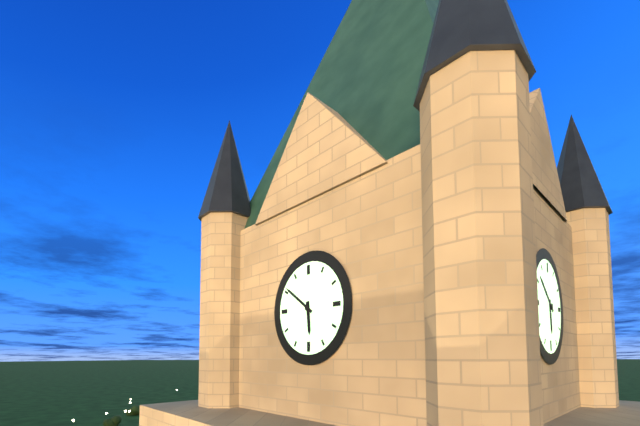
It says 5 h 51 min
